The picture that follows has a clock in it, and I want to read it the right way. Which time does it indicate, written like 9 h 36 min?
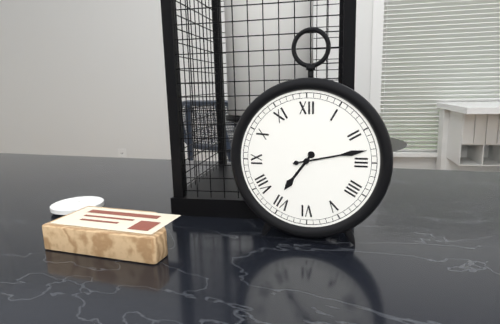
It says 7 h 13 min
